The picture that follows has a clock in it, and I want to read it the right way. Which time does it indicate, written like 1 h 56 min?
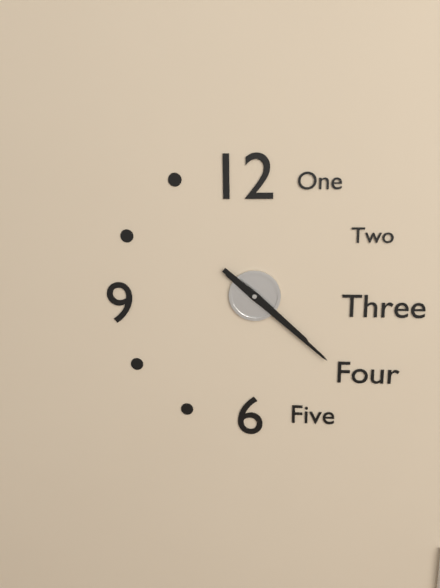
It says 4 h 22 min
